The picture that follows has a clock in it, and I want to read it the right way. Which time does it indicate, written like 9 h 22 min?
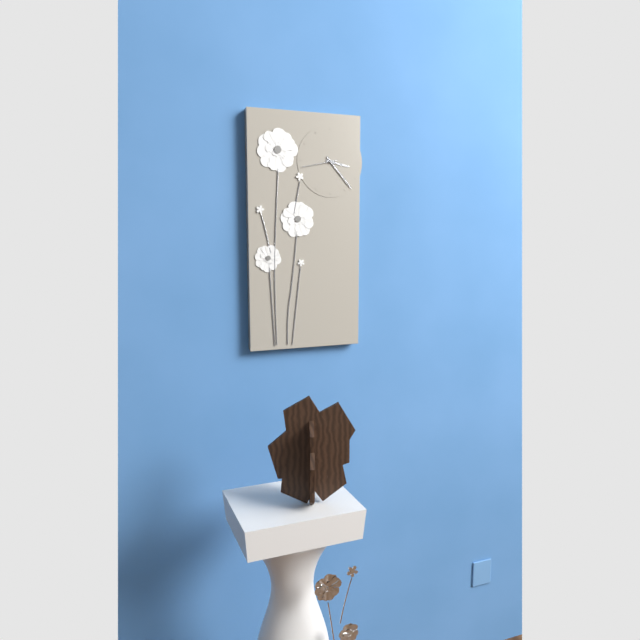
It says 3 h 23 min
